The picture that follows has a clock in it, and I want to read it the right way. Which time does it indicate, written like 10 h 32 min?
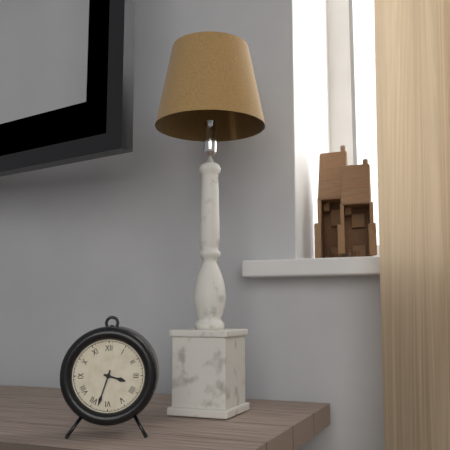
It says 3 h 33 min
